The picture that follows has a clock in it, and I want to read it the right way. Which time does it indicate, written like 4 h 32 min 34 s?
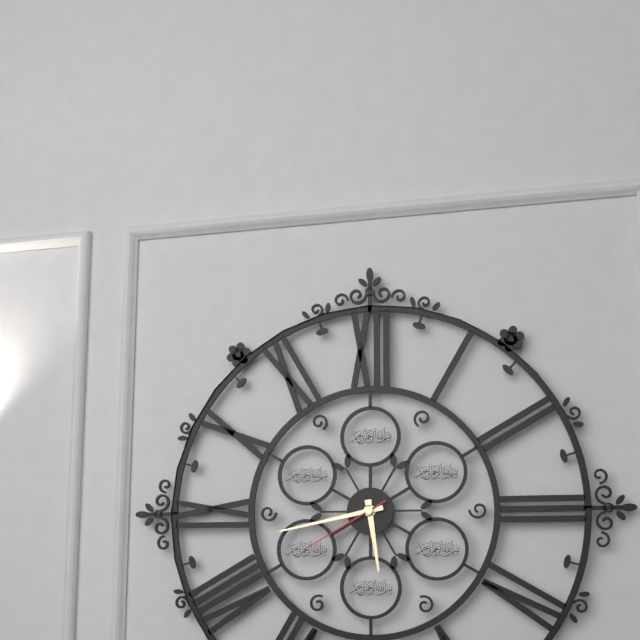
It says 5 h 43 min 40 s
